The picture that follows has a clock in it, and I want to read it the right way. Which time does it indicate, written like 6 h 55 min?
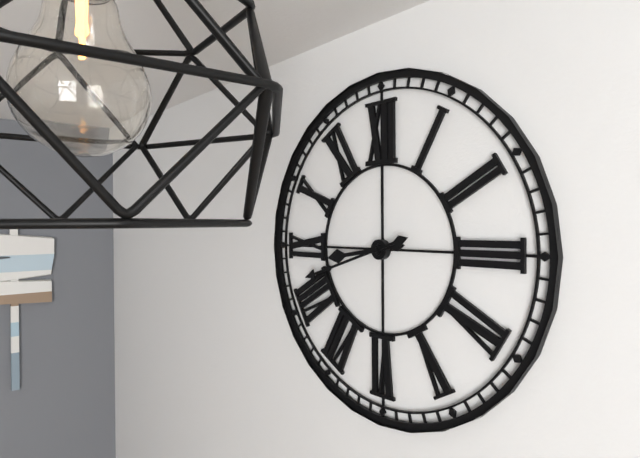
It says 8 h 42 min
